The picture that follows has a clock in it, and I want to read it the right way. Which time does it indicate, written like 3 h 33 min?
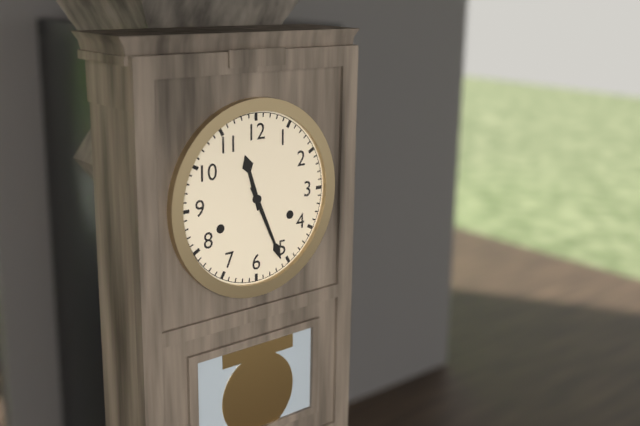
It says 11 h 26 min
